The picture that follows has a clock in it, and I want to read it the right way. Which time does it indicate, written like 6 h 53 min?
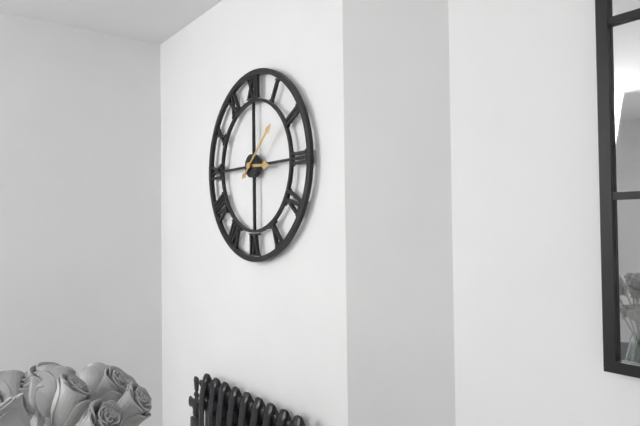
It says 3 h 08 min
